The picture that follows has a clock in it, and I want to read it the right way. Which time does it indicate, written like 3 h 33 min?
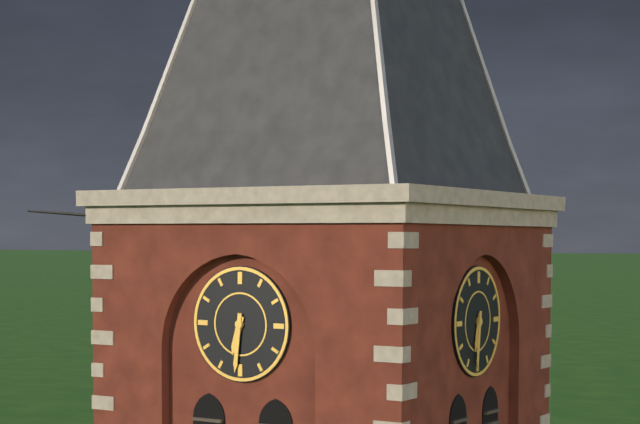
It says 6 h 31 min
